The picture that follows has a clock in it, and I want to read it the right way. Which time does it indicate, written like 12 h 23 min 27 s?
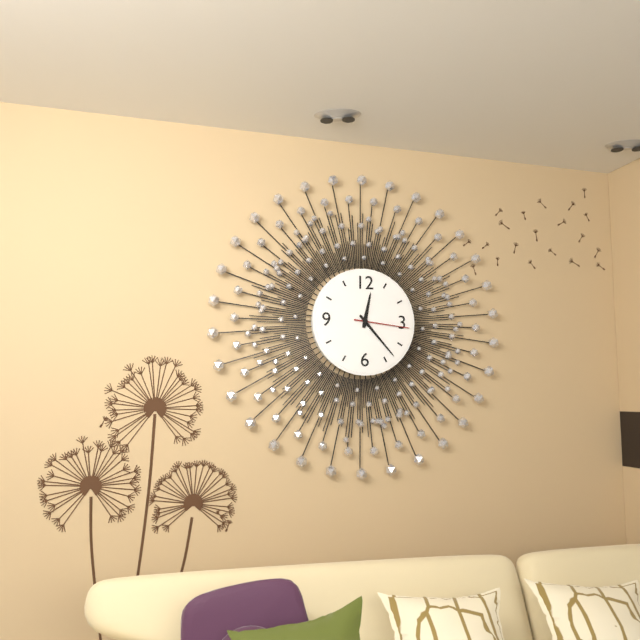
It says 12 h 23 min 16 s
